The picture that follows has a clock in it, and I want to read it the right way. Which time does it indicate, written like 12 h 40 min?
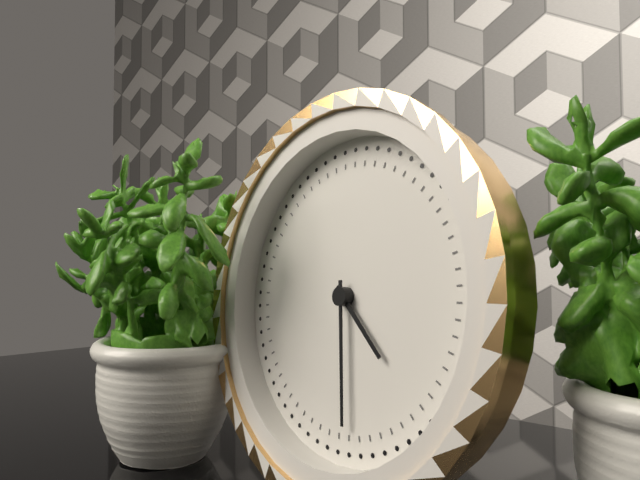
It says 4 h 29 min
